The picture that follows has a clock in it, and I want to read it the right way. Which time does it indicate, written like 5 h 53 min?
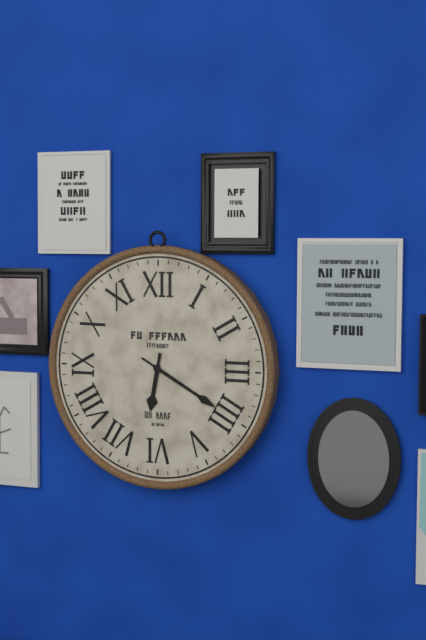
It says 6 h 20 min
